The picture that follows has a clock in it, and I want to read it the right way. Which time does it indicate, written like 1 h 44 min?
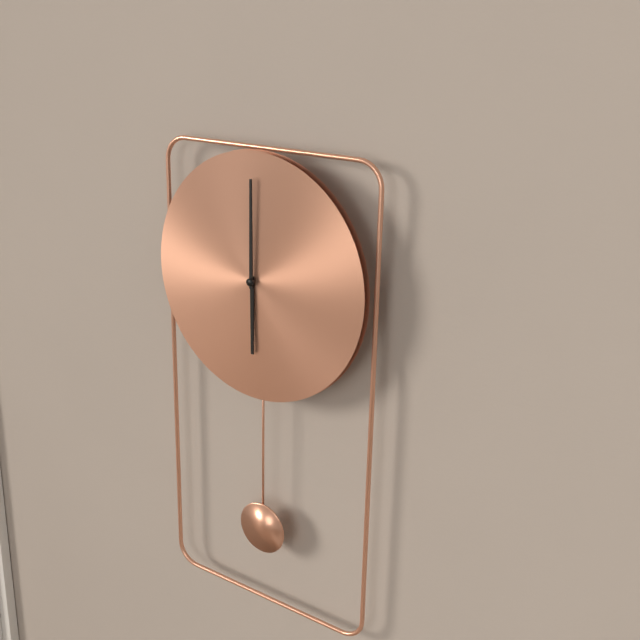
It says 6 h 00 min
